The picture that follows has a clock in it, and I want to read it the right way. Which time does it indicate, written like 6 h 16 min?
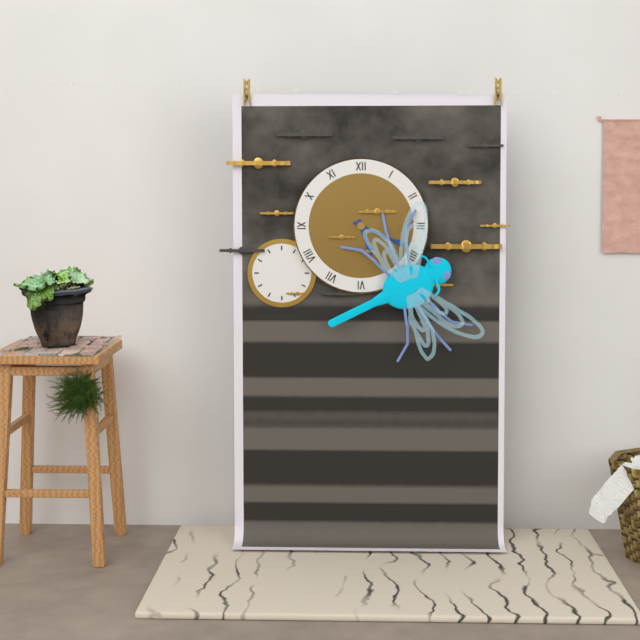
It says 5 h 19 min
